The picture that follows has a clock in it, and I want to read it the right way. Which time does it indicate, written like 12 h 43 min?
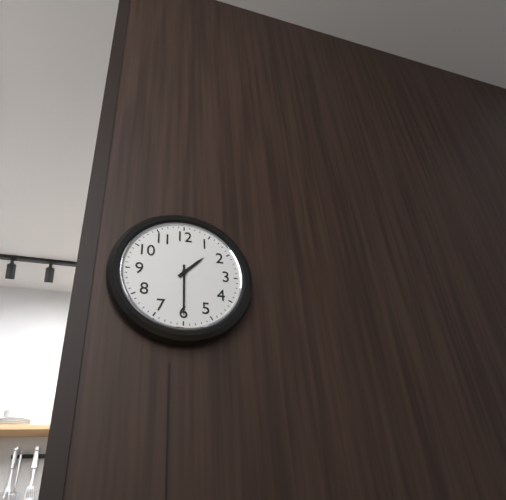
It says 1 h 30 min
